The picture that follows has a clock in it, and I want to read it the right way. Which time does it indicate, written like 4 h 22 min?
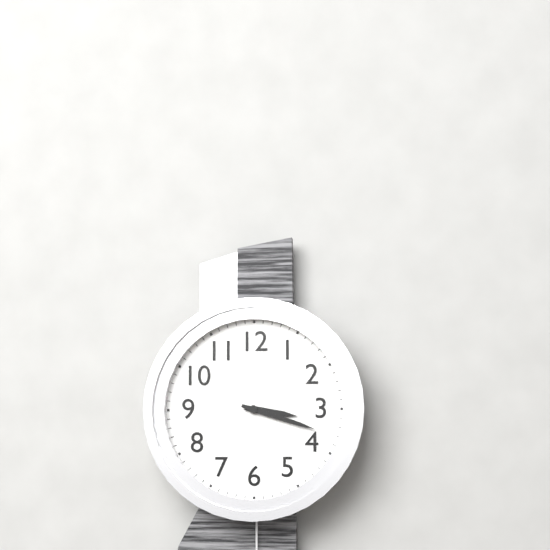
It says 3 h 18 min
